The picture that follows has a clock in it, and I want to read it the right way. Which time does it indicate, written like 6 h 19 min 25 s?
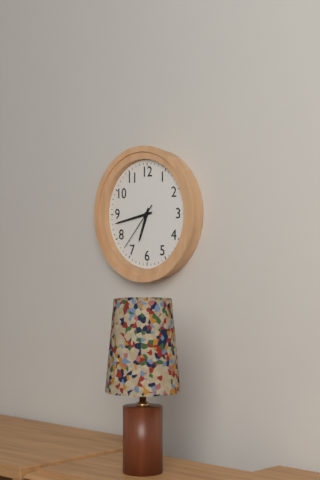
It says 6 h 43 min 37 s
